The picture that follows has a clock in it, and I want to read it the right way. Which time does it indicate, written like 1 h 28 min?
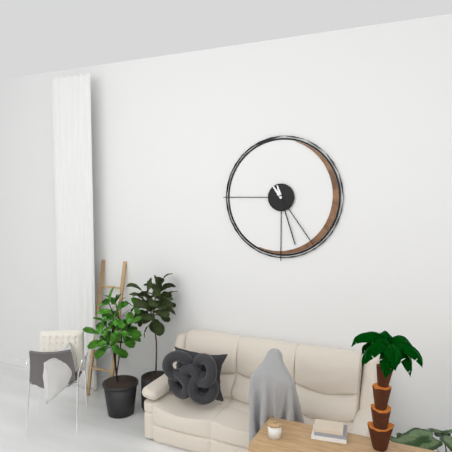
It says 5 h 24 min
